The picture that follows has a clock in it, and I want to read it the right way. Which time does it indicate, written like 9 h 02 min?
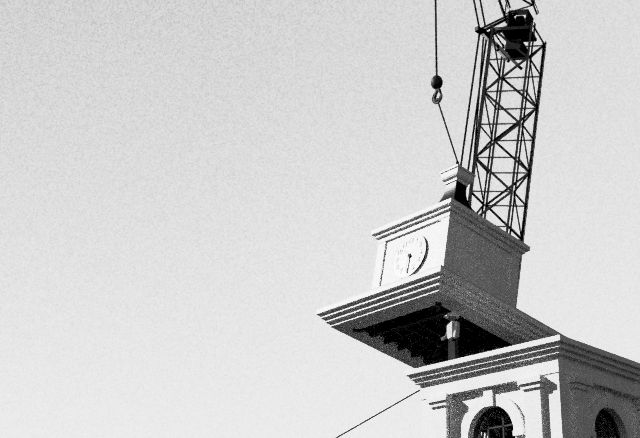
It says 10 h 30 min
